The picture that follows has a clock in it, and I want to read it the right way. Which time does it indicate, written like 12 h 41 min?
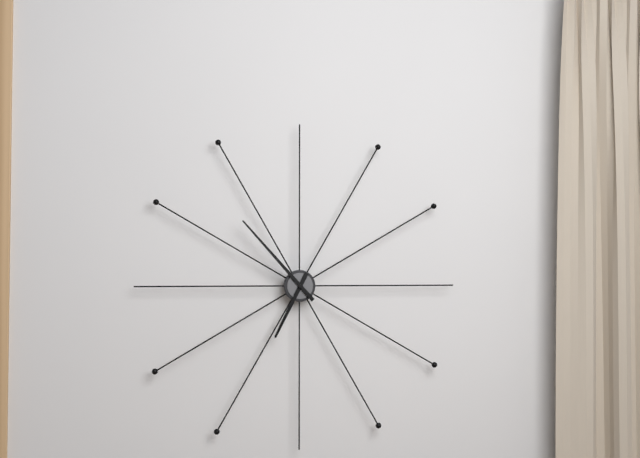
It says 6 h 53 min
